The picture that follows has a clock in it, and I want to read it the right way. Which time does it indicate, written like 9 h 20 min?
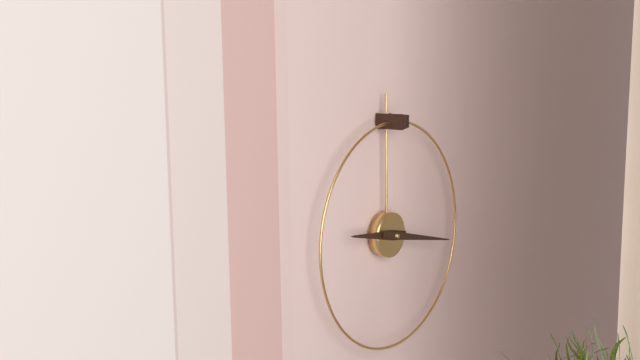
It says 9 h 17 min
